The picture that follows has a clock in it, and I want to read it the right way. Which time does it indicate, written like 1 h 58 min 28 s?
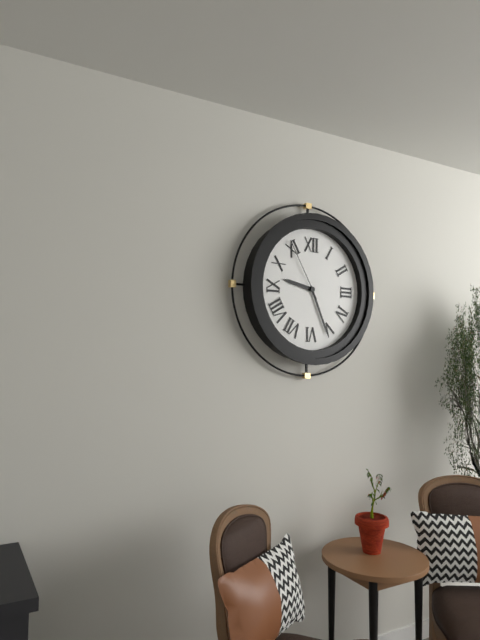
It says 9 h 26 min 55 s
